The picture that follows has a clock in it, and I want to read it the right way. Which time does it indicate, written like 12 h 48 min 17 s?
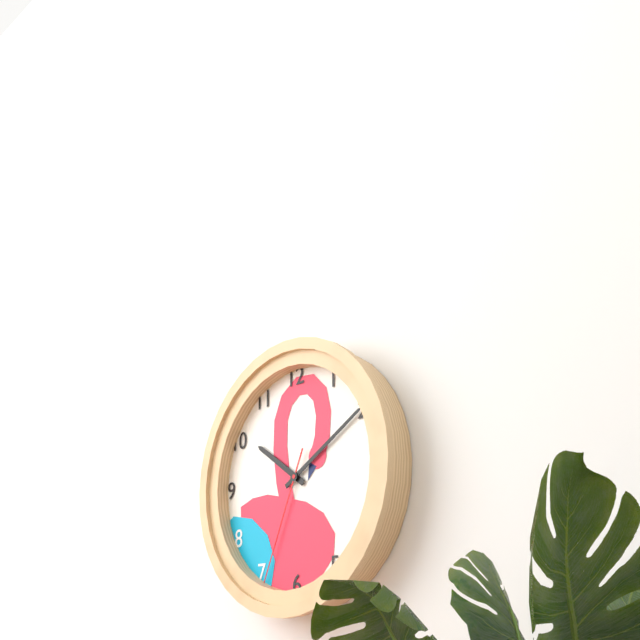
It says 10 h 10 min 34 s
